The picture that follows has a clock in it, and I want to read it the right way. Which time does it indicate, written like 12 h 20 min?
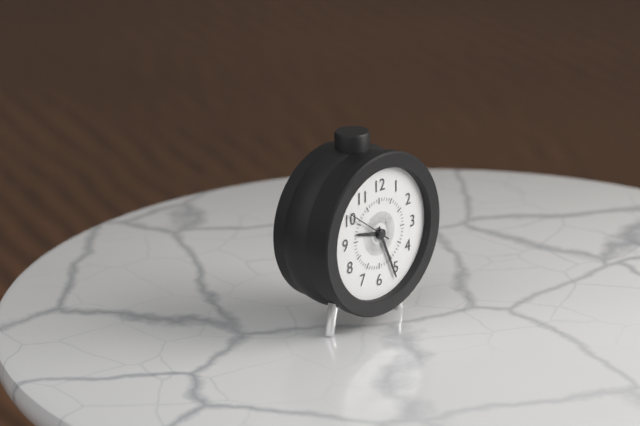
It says 9 h 26 min
